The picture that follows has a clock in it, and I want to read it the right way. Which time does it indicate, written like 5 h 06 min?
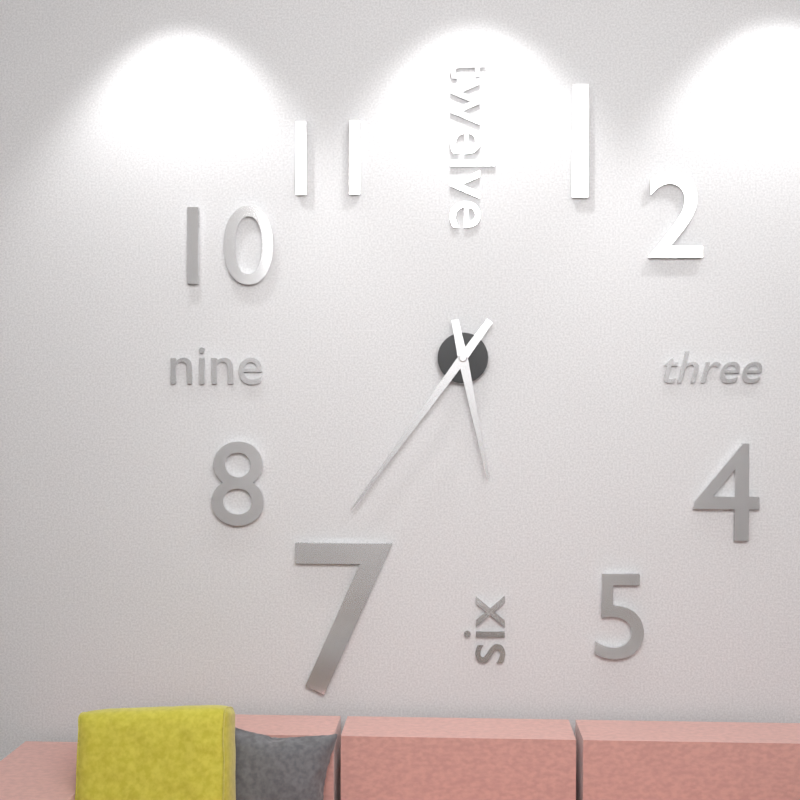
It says 5 h 36 min
